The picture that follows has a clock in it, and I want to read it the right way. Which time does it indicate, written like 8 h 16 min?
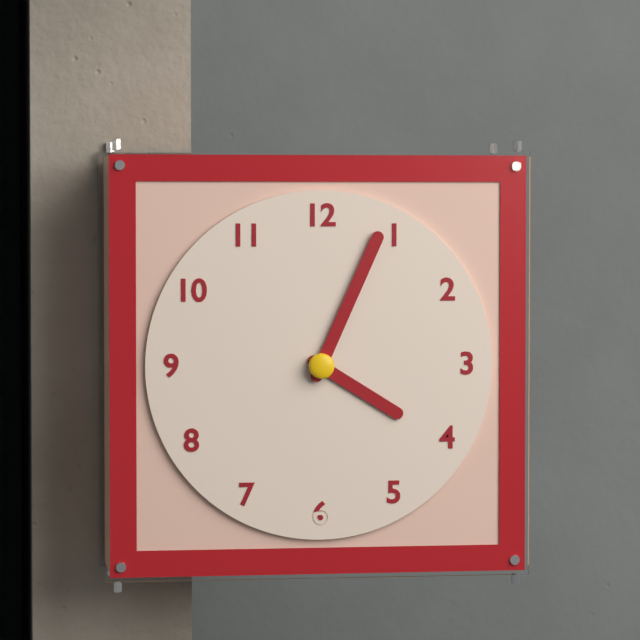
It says 4 h 04 min
